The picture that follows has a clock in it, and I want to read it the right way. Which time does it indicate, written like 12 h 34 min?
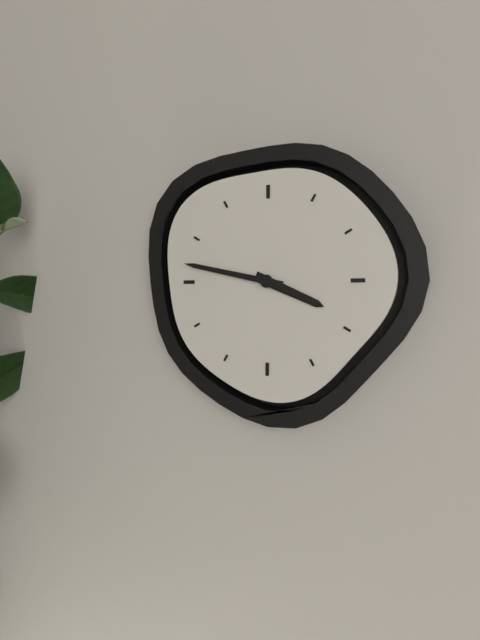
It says 3 h 47 min
